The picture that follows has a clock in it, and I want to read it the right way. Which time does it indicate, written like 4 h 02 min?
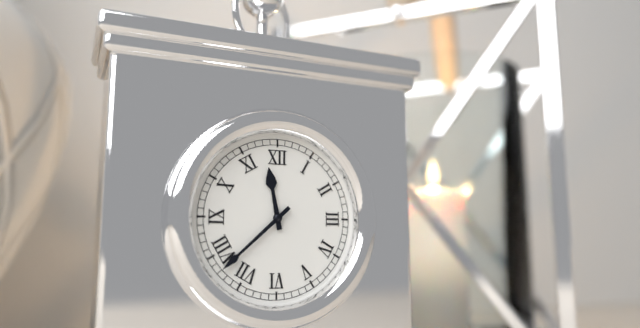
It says 11 h 38 min
